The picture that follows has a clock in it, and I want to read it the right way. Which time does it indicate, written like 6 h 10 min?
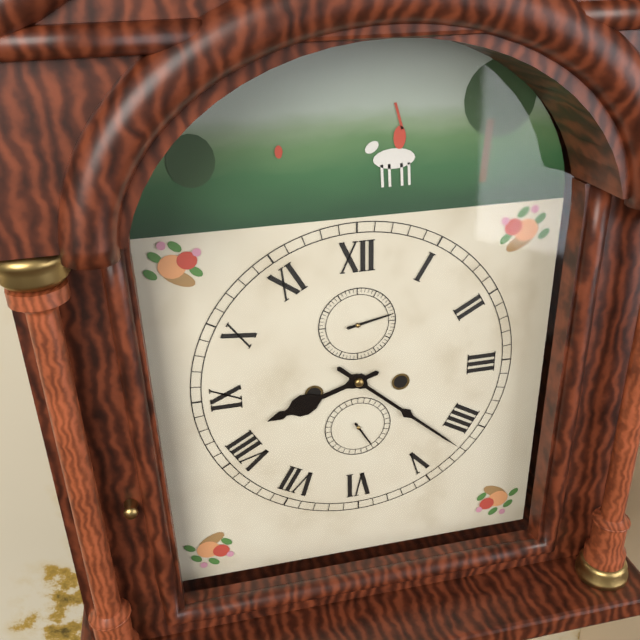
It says 8 h 22 min
